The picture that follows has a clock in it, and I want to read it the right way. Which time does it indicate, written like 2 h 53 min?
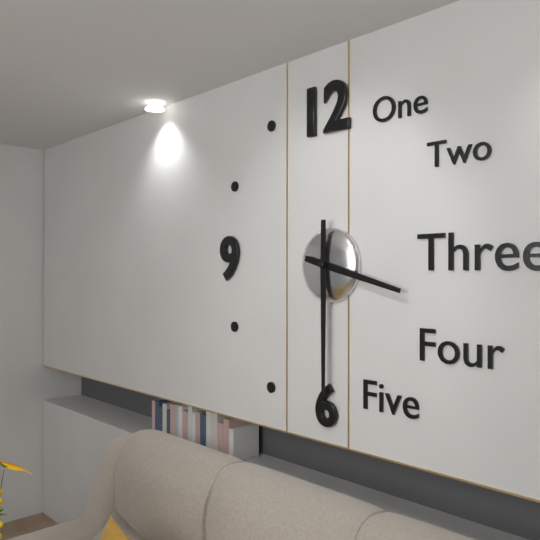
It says 3 h 30 min
